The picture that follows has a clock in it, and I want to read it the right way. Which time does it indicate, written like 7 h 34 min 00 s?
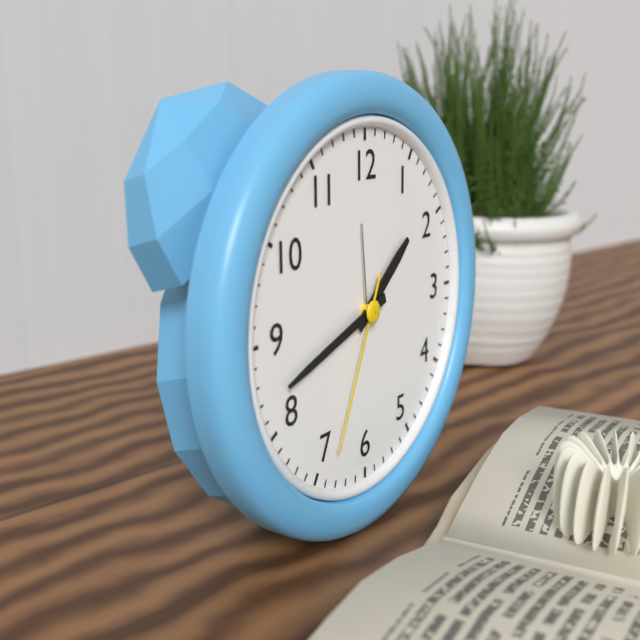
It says 1 h 42 min 34 s
